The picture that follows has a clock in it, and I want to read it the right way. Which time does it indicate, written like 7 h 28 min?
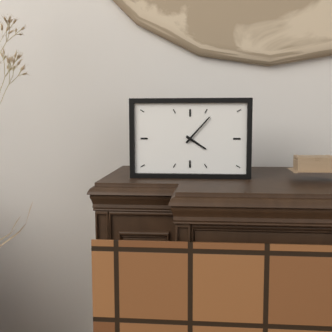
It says 4 h 07 min
